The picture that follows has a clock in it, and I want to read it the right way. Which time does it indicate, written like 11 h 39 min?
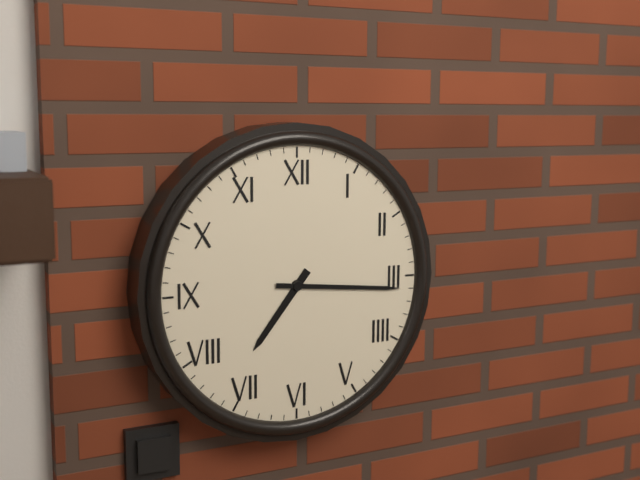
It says 7 h 16 min
